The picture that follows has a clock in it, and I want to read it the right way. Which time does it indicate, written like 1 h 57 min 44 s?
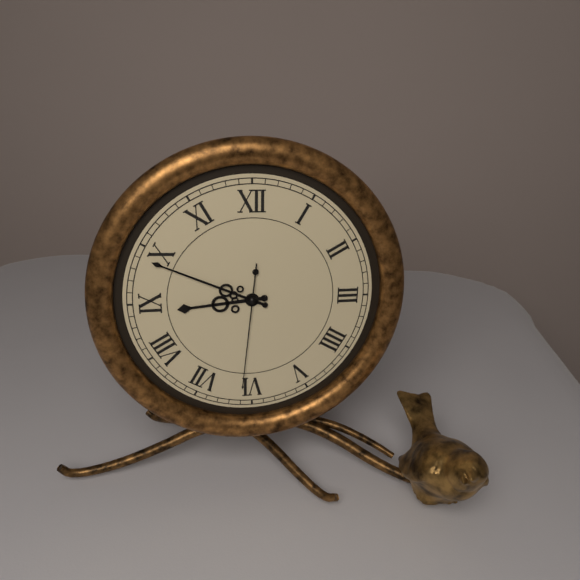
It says 8 h 49 min 31 s
